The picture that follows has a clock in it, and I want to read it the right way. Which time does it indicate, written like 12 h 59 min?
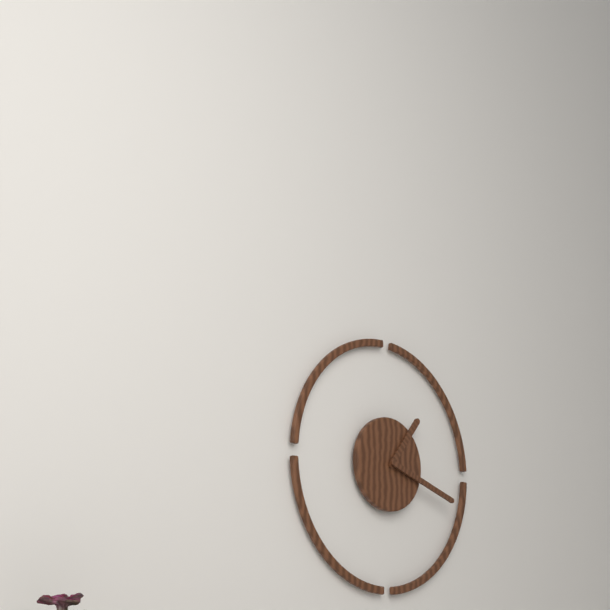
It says 1 h 18 min
